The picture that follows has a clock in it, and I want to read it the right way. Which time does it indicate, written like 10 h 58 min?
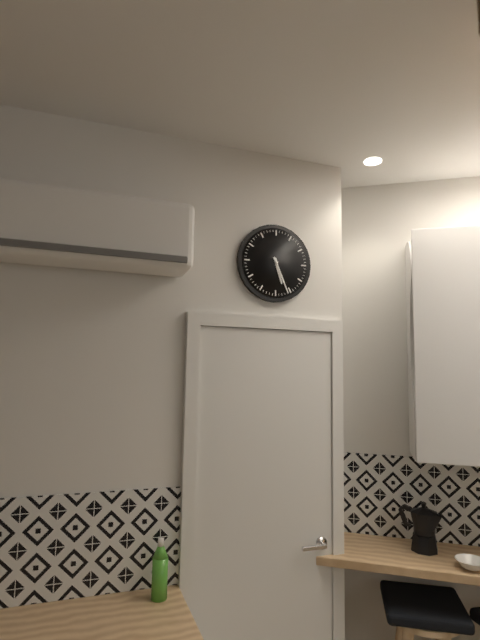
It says 5 h 26 min
